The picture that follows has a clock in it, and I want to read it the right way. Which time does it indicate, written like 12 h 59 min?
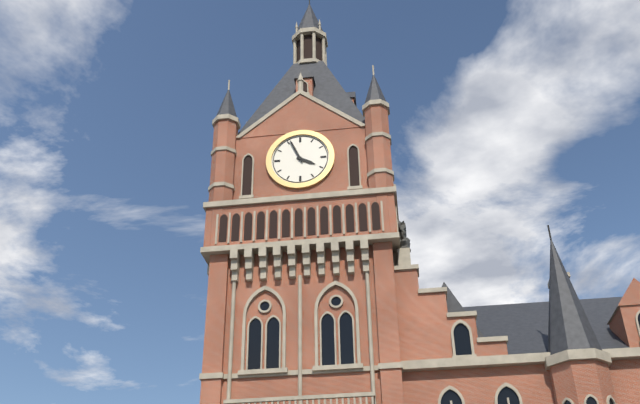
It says 3 h 56 min
